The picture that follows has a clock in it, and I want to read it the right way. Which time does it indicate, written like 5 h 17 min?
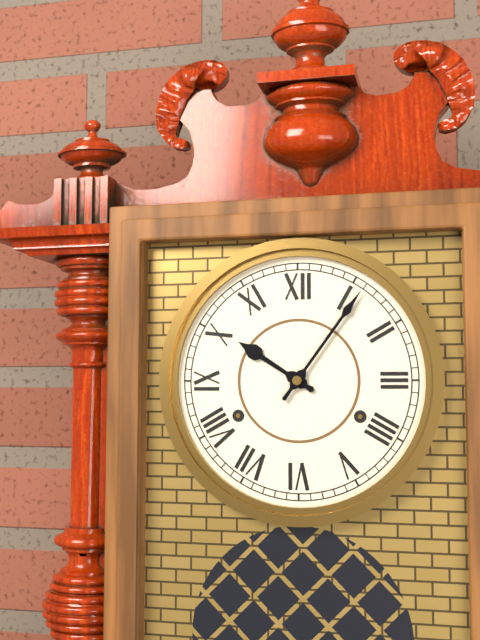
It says 10 h 06 min
